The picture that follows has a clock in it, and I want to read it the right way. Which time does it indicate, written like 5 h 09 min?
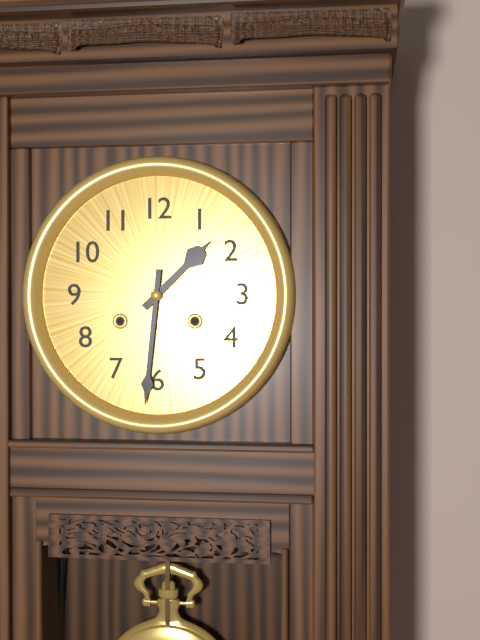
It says 1 h 31 min
